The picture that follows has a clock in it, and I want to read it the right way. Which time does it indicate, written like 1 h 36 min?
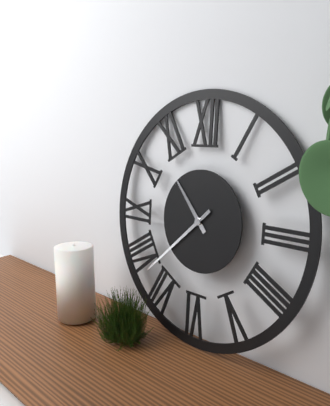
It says 10 h 38 min
